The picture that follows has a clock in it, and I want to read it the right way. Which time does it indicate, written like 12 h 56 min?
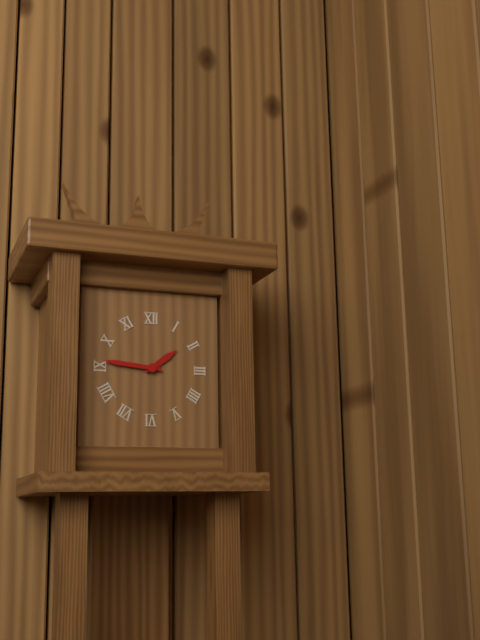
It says 1 h 46 min
